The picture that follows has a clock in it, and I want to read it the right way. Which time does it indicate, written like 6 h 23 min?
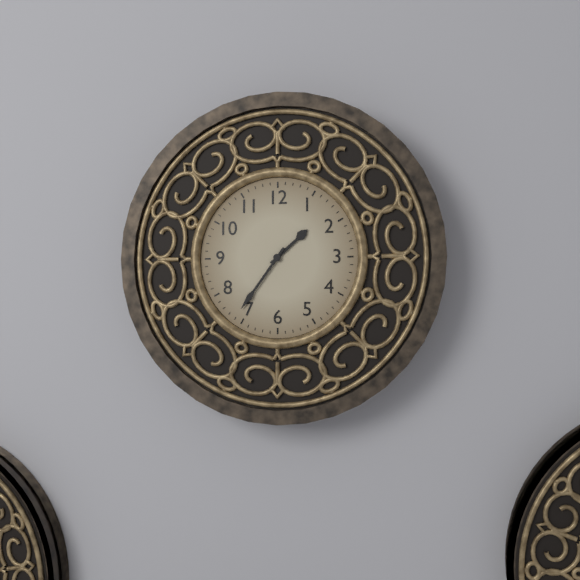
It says 1 h 36 min
